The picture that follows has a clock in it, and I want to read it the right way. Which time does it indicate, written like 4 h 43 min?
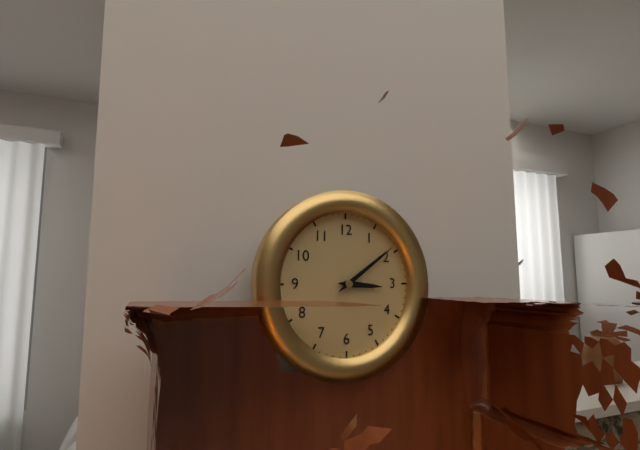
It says 3 h 09 min
